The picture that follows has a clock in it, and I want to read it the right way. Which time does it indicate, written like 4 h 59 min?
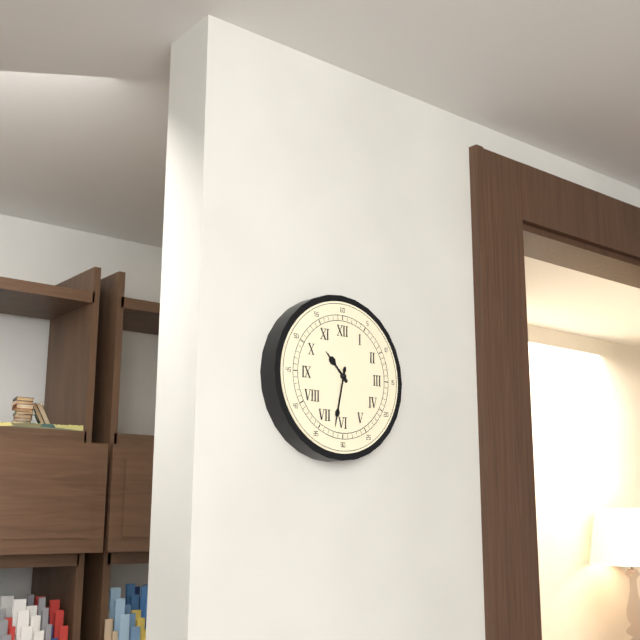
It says 10 h 32 min
